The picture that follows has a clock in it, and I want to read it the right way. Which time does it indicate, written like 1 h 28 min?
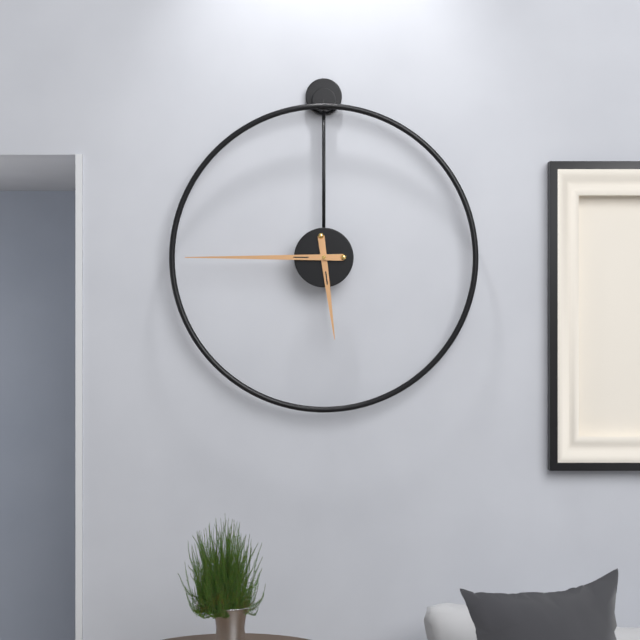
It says 5 h 45 min
